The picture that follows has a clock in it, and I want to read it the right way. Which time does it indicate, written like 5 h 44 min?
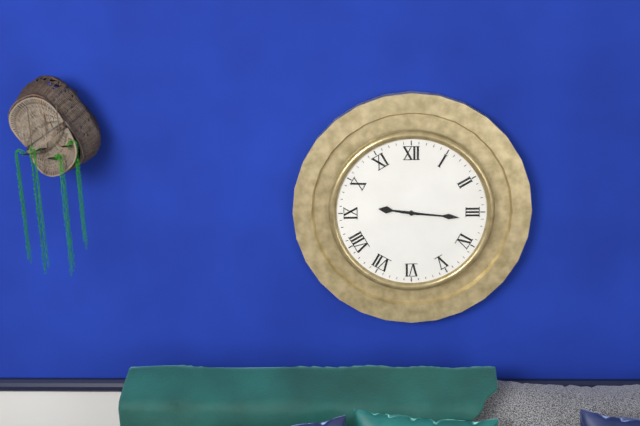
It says 9 h 16 min
